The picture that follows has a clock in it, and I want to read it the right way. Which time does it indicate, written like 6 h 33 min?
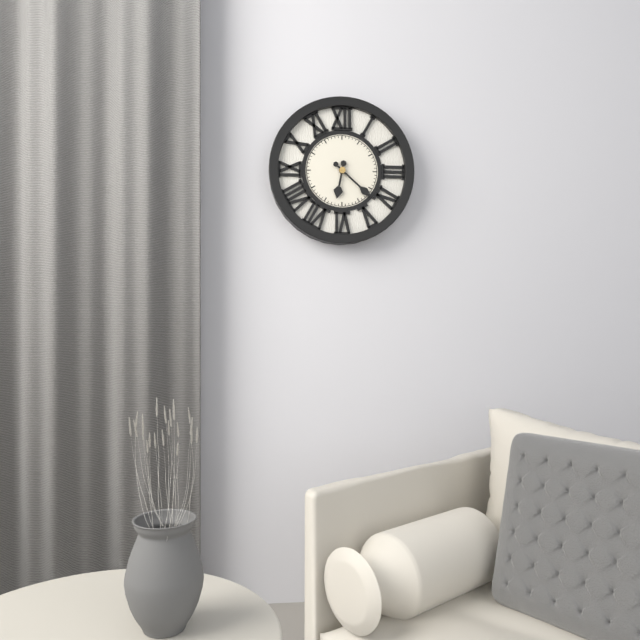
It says 6 h 22 min
